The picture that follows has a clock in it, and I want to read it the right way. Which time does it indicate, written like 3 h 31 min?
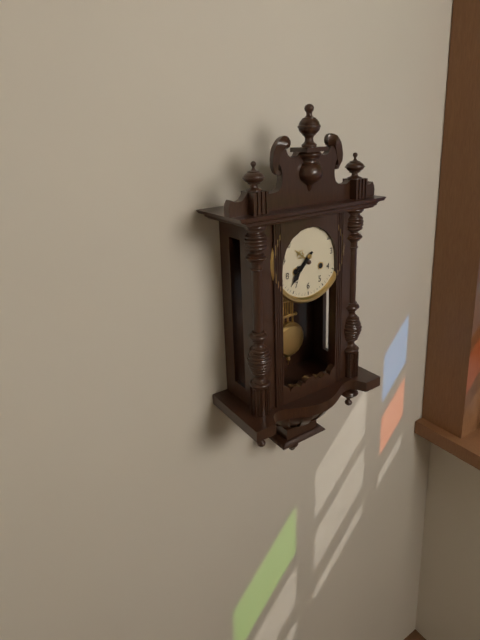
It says 7 h 37 min
